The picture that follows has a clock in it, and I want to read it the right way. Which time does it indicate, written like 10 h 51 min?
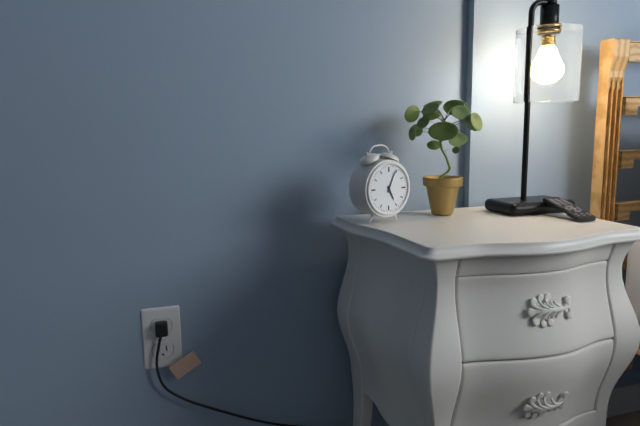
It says 5 h 04 min
